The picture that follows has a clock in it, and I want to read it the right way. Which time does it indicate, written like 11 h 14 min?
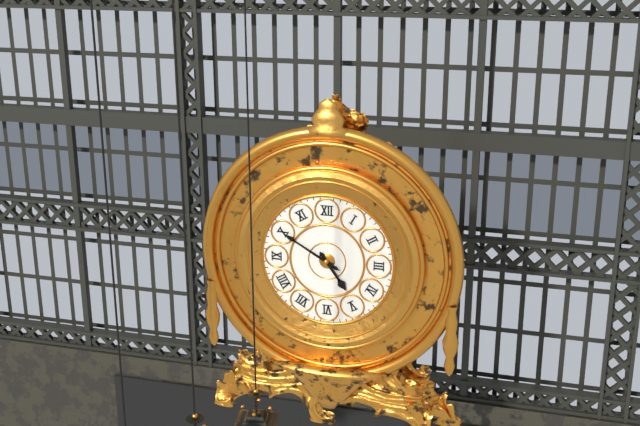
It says 4 h 50 min
